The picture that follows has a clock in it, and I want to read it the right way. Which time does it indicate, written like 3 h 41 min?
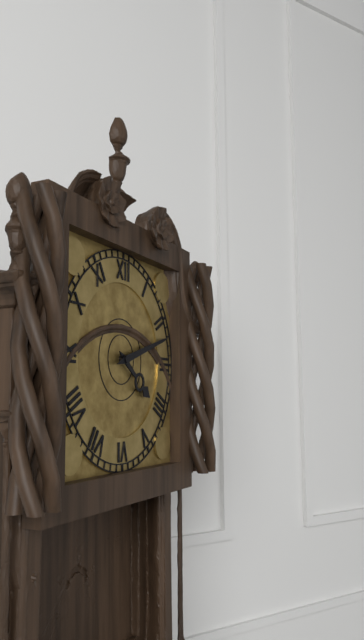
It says 4 h 12 min
